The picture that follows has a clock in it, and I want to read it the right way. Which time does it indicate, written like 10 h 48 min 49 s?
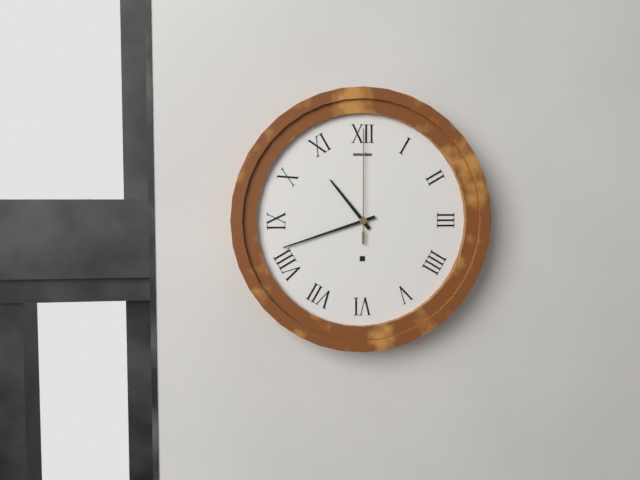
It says 10 h 42 min 00 s
